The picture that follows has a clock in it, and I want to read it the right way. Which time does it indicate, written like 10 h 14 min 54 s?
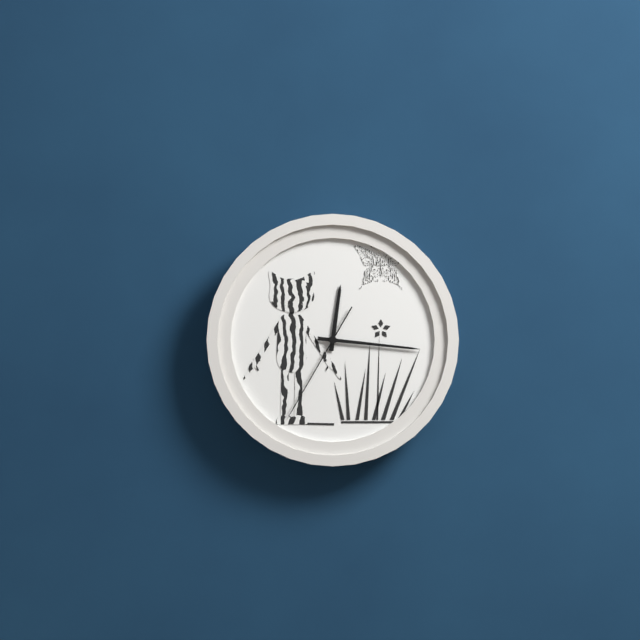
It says 12 h 16 min 35 s
